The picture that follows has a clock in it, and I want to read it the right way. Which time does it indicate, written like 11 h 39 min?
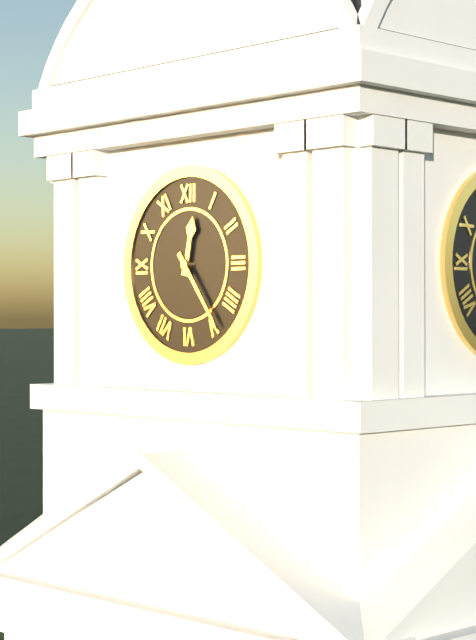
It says 12 h 24 min
